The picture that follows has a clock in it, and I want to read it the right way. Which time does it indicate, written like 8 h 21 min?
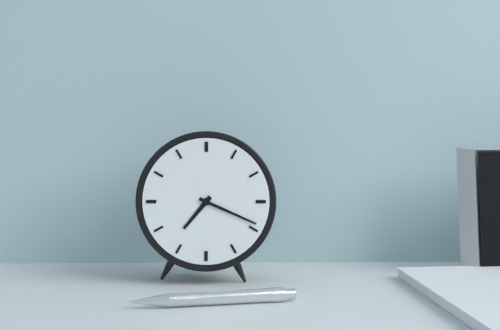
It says 7 h 19 min
